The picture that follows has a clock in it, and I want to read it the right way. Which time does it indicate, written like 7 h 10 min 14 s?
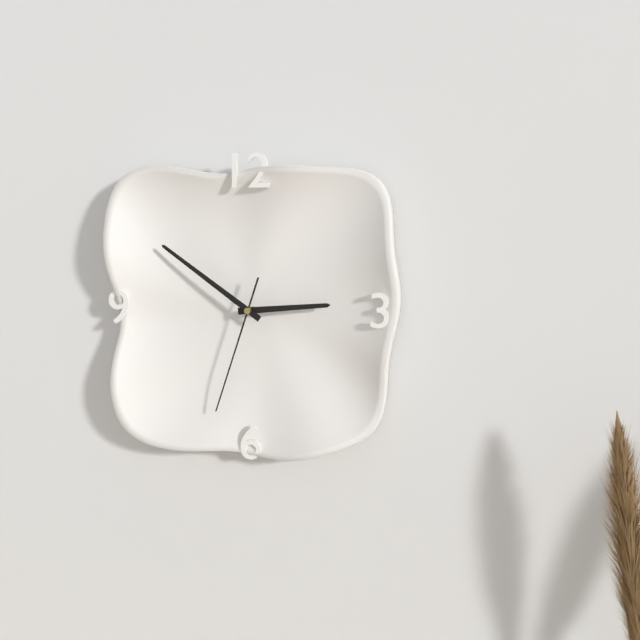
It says 2 h 51 min 33 s
